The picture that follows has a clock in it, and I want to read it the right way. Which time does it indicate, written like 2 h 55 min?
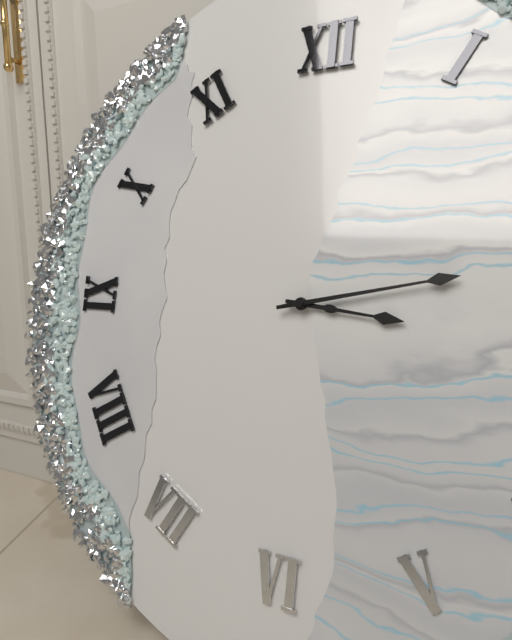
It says 3 h 13 min
